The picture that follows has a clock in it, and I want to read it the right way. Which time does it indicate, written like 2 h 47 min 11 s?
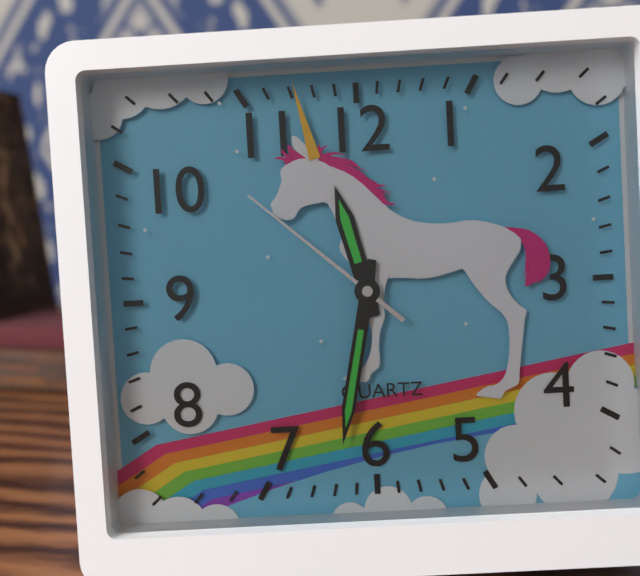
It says 11 h 32 min 52 s
